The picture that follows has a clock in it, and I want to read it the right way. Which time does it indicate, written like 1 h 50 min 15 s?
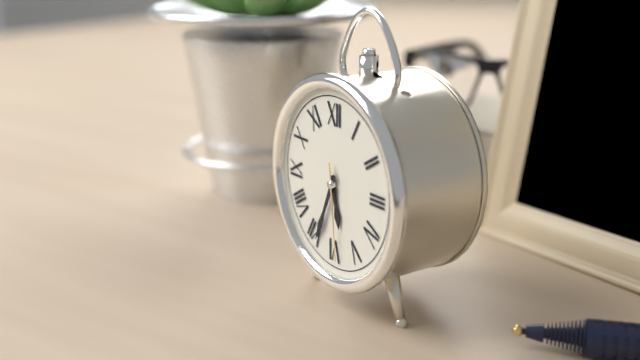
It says 5 h 34 min 29 s
